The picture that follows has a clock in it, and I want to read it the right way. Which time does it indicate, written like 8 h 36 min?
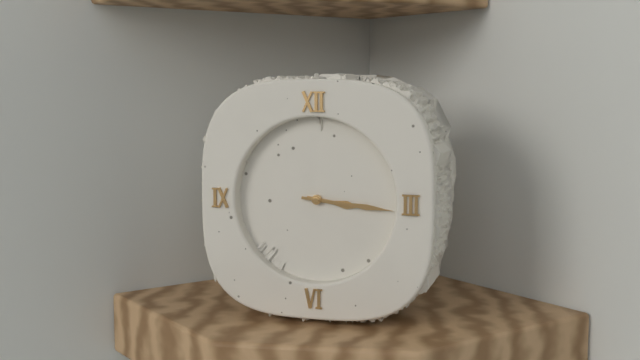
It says 3 h 16 min
